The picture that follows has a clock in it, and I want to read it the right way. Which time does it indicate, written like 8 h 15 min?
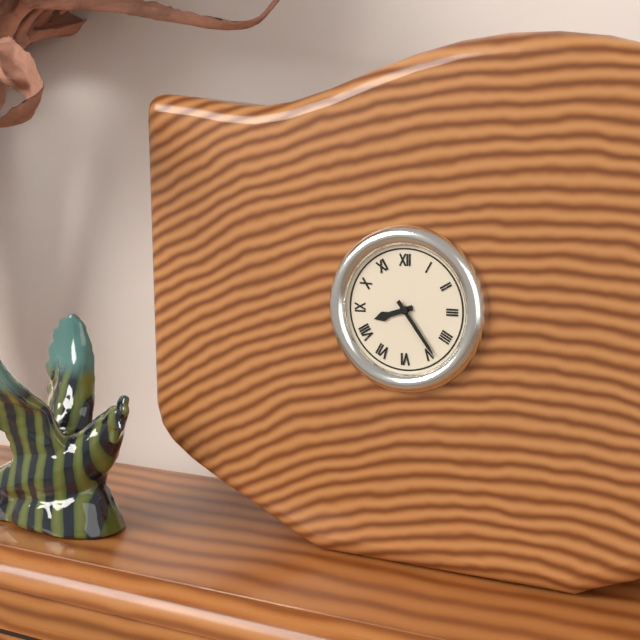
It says 8 h 24 min
